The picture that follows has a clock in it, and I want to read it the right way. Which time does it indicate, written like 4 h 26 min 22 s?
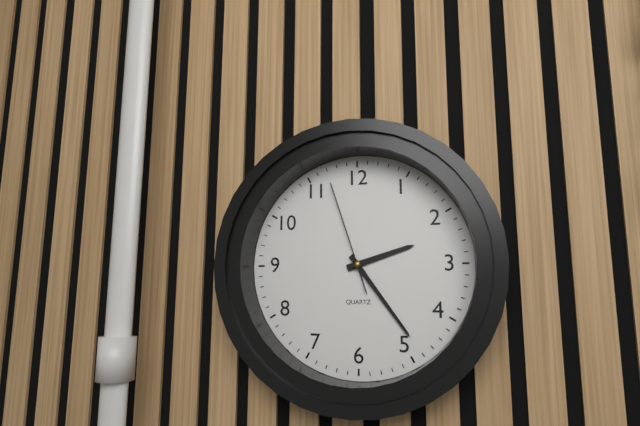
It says 2 h 24 min 57 s
